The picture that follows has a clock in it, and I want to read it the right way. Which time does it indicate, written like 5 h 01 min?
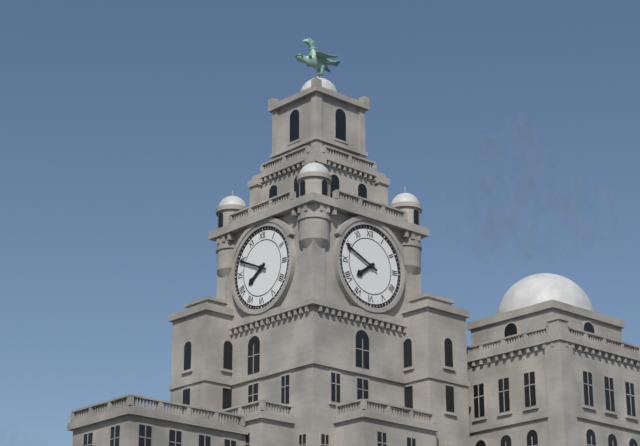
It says 7 h 49 min
